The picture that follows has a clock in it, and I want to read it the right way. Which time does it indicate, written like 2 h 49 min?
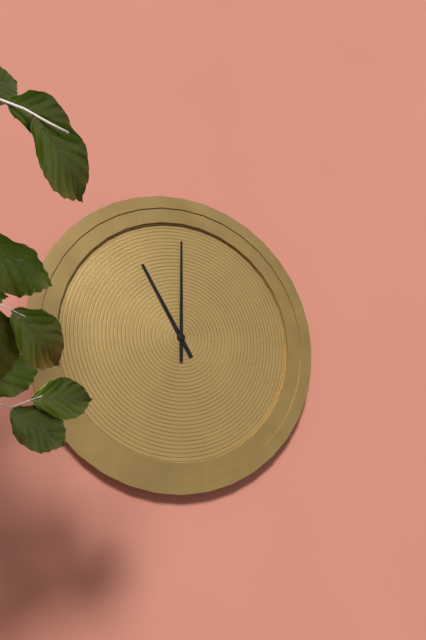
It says 11 h 00 min
